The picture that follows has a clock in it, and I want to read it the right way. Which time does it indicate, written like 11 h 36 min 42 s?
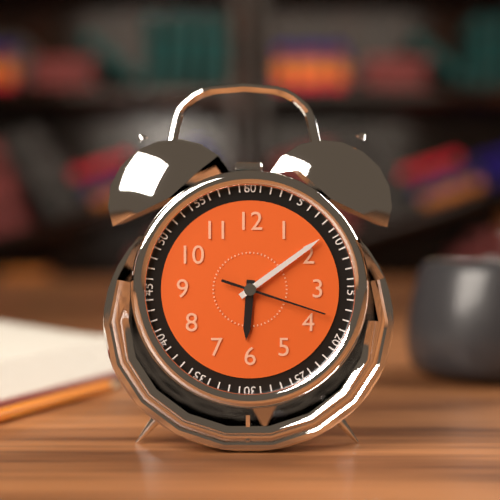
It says 6 h 09 min 18 s
